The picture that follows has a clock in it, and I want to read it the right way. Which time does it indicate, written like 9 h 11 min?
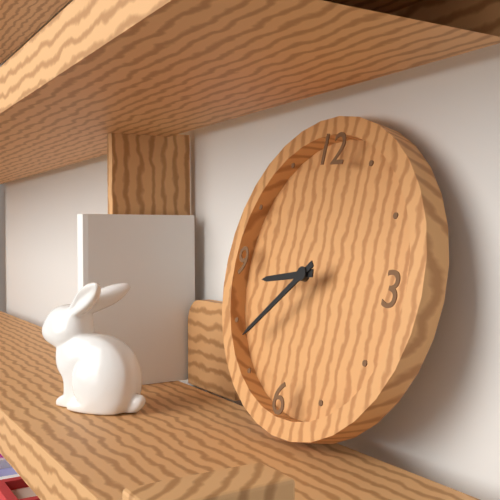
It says 8 h 38 min
